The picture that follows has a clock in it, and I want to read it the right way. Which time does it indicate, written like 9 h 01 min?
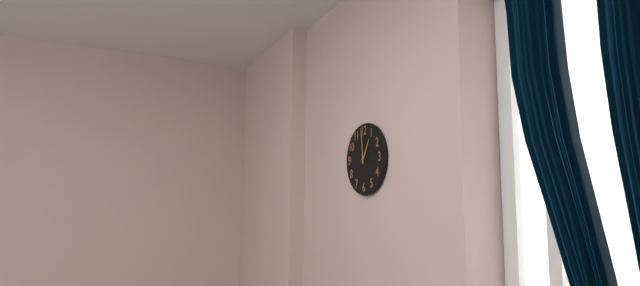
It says 12 h 59 min
